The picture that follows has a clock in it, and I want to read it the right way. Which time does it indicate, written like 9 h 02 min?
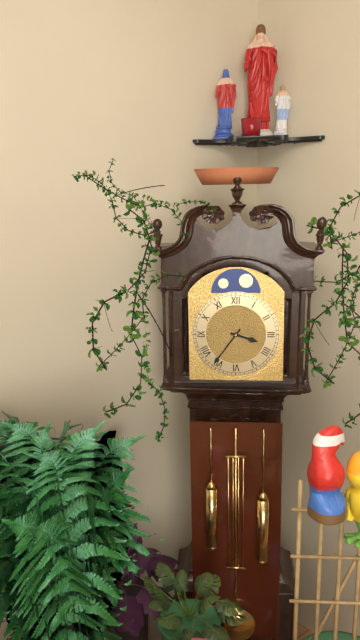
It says 3 h 36 min
